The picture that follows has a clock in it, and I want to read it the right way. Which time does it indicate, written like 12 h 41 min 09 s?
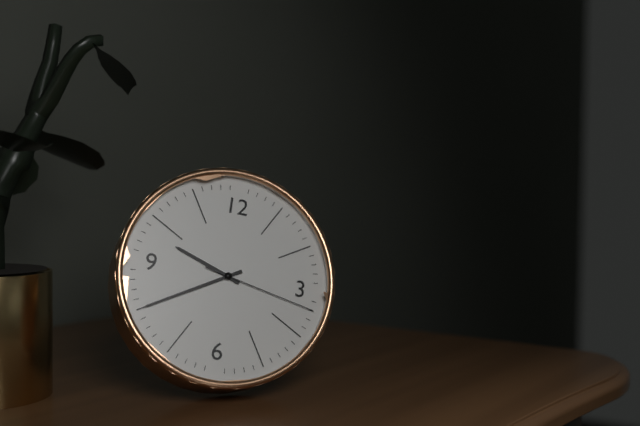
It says 9 h 40 min 17 s
